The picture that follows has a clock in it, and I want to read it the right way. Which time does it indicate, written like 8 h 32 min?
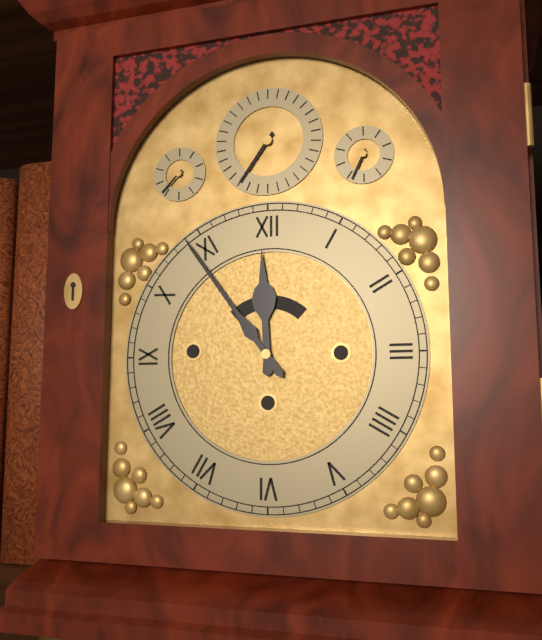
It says 11 h 54 min
